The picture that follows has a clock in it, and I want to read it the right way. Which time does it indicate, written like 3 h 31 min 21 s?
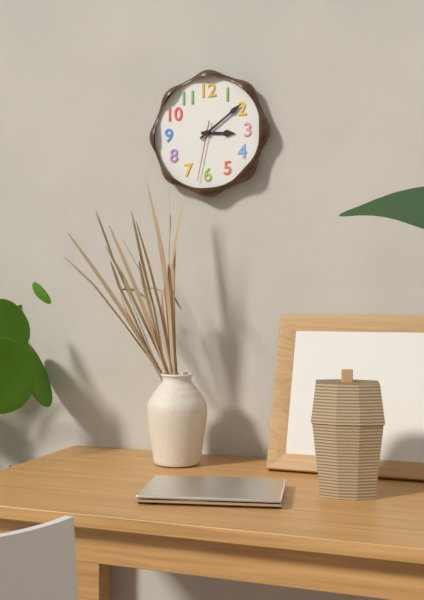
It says 3 h 09 min 32 s
